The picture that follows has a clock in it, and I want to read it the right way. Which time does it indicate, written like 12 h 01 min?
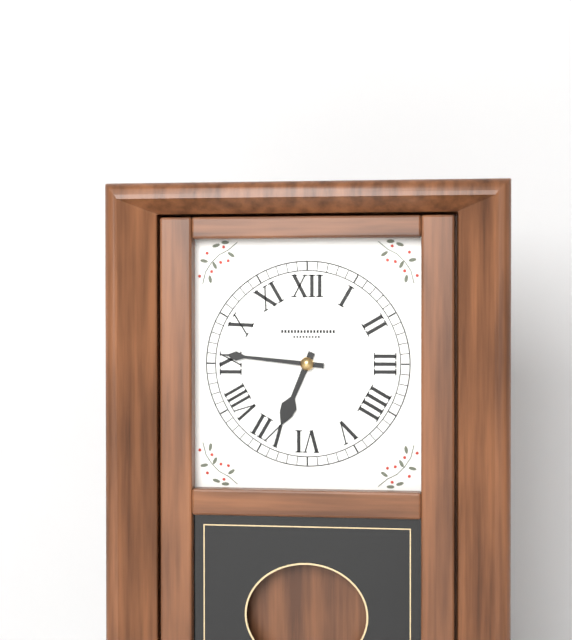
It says 6 h 46 min
